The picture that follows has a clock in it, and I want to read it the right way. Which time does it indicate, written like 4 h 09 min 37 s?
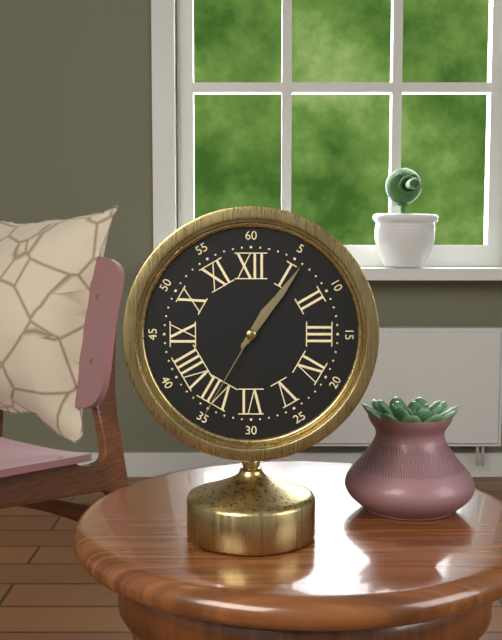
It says 1 h 06 min 35 s
